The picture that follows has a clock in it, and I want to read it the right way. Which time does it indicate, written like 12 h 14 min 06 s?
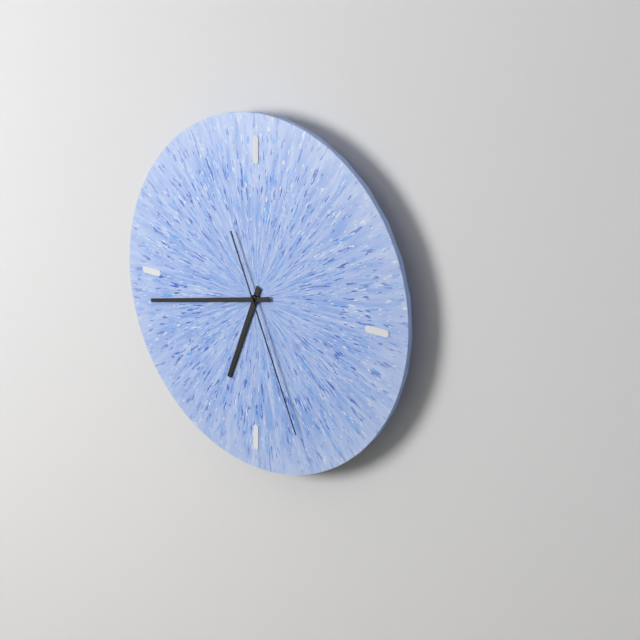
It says 6 h 43 min 26 s
